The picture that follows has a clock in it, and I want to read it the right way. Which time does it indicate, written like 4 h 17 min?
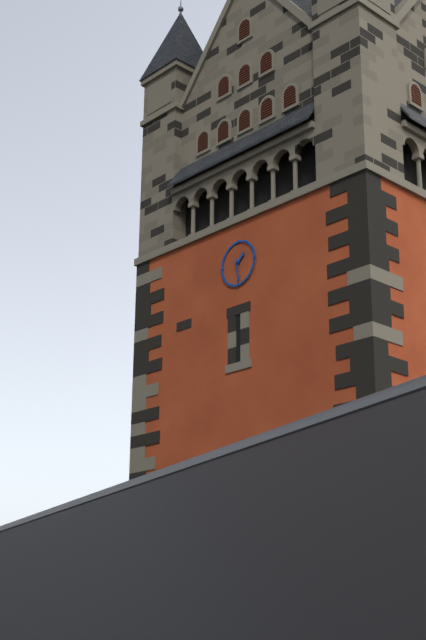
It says 1 h 29 min
